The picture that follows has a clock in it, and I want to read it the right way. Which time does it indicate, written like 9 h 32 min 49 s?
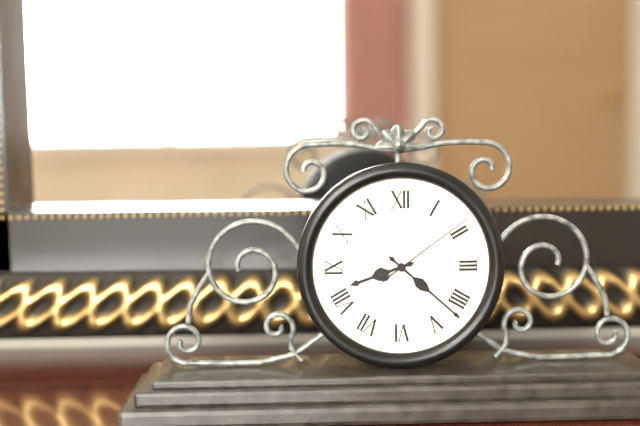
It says 8 h 22 min 09 s
